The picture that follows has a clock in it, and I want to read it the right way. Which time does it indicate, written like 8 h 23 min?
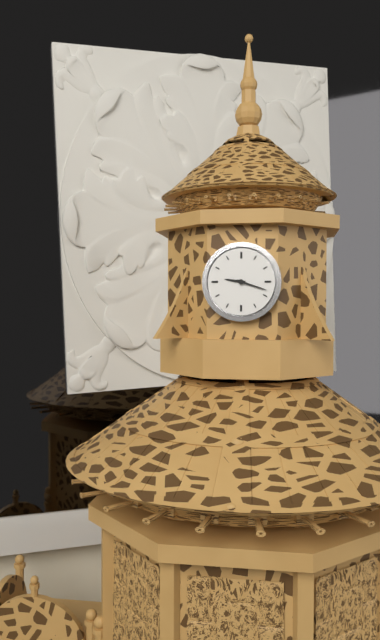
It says 9 h 18 min
